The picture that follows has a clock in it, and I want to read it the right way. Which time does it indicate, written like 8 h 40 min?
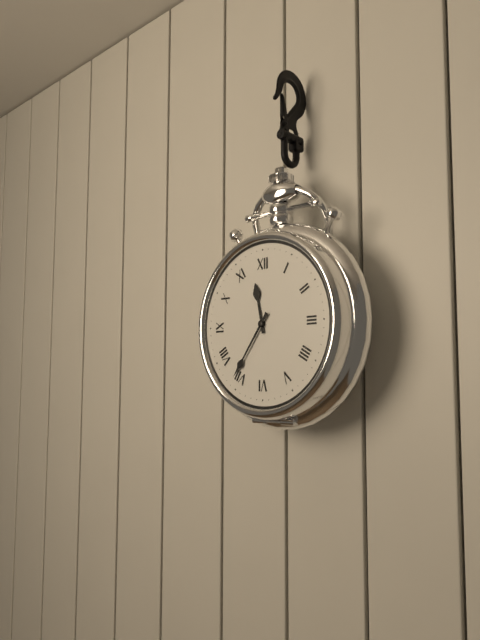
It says 11 h 36 min
